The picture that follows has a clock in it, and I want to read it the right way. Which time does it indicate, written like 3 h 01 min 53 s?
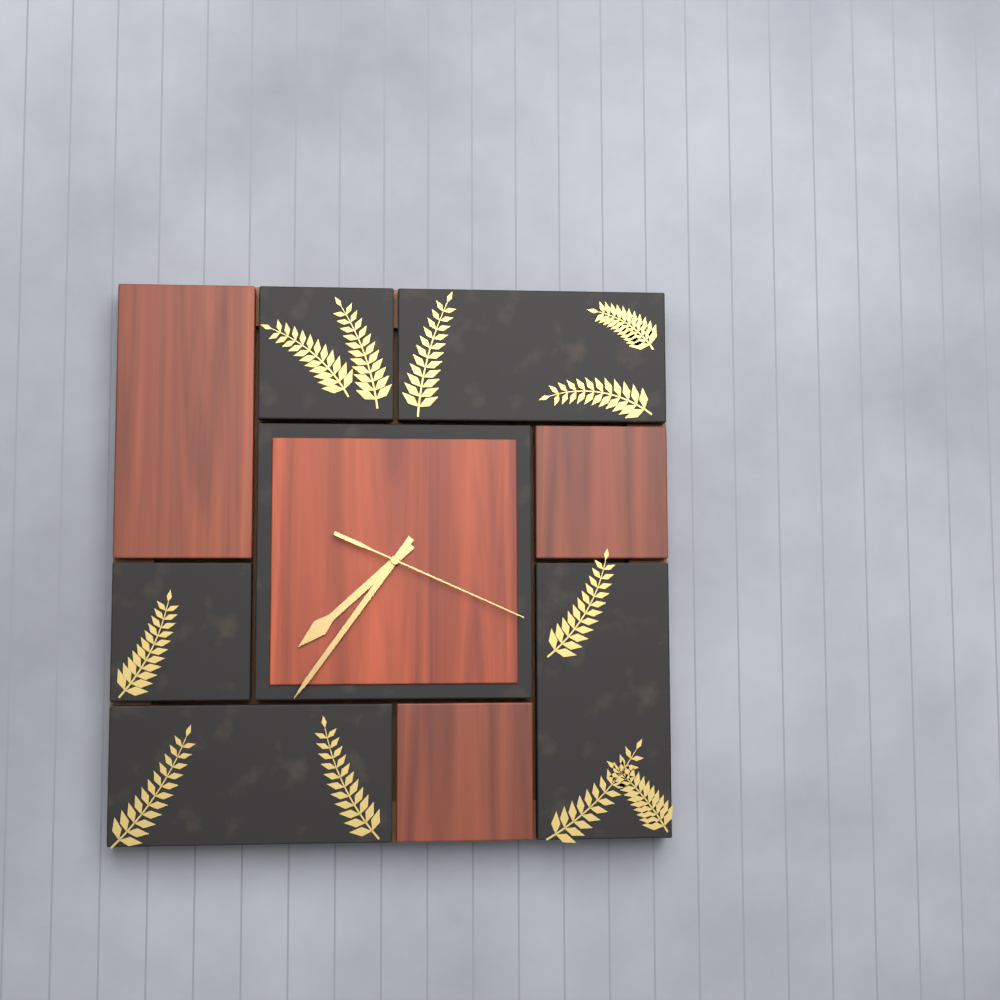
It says 7 h 36 min 19 s
